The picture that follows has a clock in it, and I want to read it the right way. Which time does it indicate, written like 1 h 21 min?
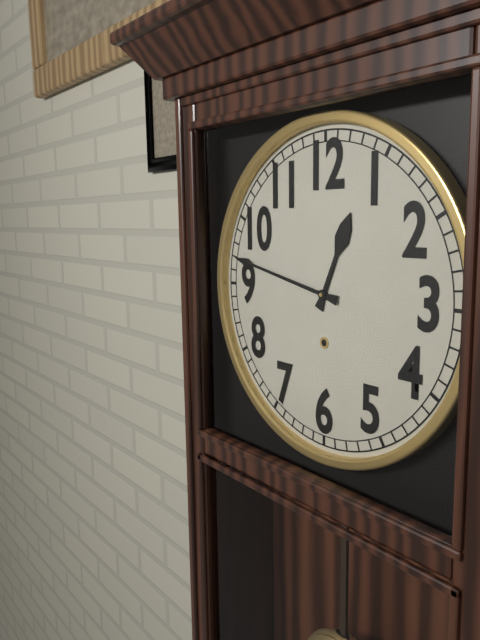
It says 12 h 47 min
